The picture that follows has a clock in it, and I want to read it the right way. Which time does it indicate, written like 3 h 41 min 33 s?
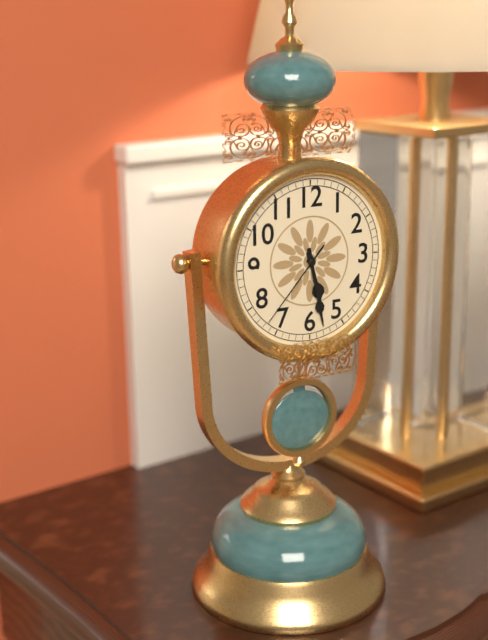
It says 5 h 28 min 37 s
